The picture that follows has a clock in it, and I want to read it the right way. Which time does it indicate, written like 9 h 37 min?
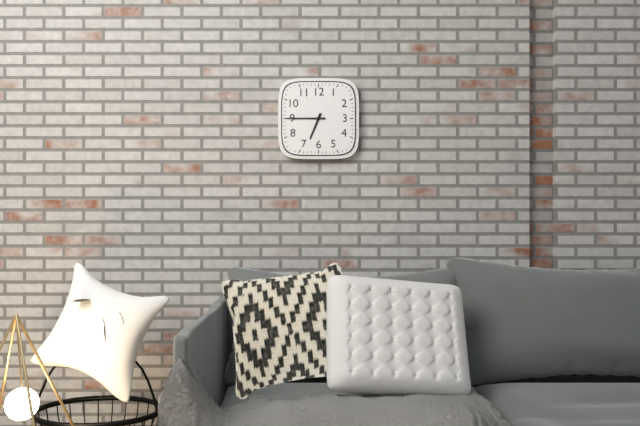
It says 6 h 45 min
